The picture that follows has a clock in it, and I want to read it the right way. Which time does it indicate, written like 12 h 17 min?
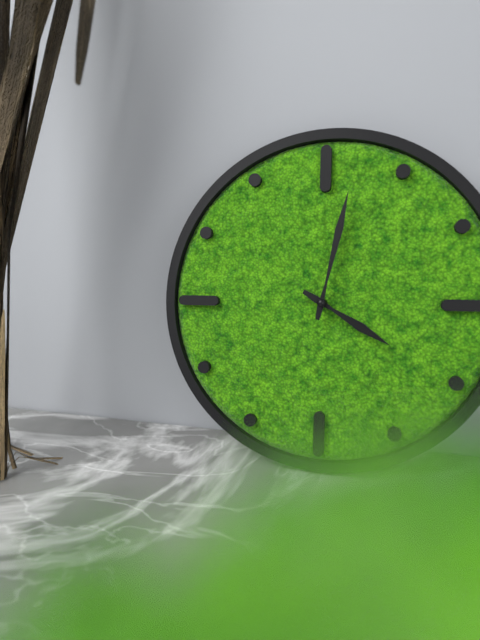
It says 4 h 02 min
